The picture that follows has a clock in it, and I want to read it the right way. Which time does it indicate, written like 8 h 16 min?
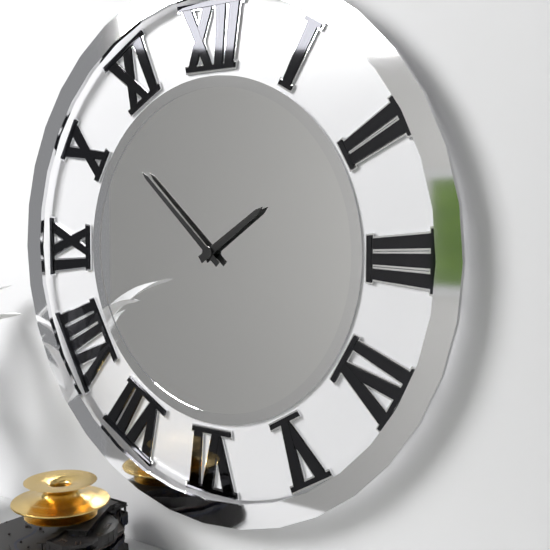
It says 1 h 52 min
